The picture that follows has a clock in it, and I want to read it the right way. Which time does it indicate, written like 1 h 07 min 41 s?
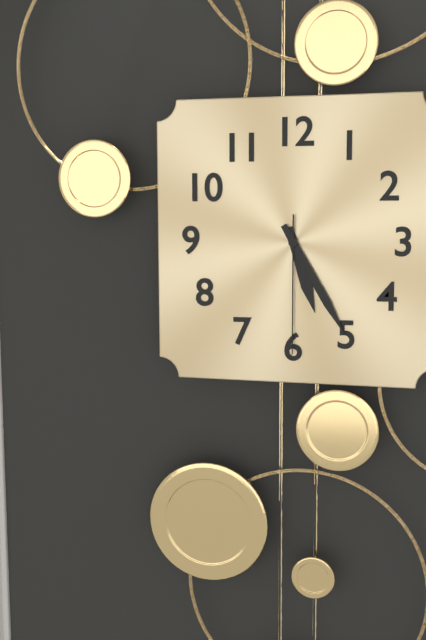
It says 5 h 25 min 30 s
